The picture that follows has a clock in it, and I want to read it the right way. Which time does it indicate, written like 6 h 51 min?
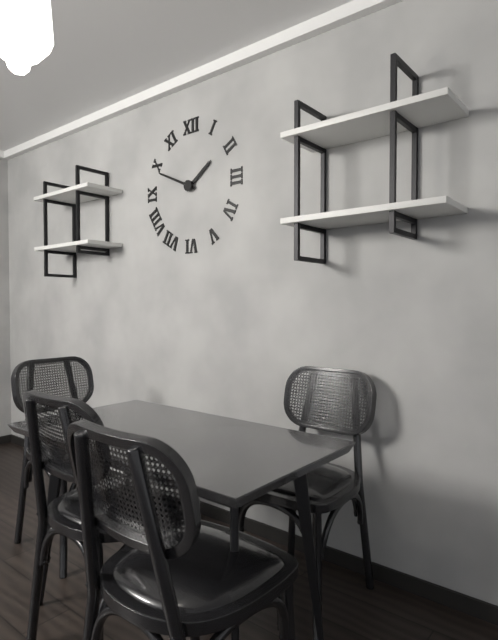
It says 1 h 49 min
